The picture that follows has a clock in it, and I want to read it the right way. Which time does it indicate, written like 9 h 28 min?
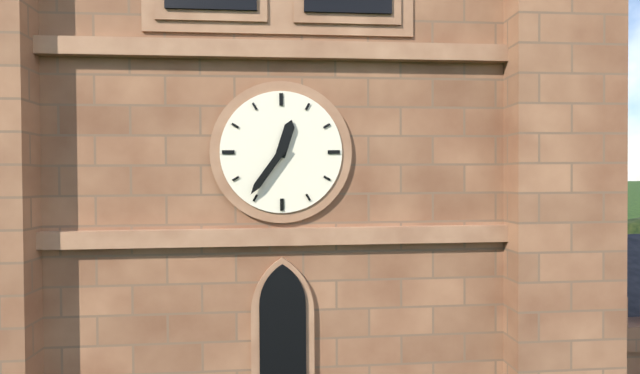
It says 12 h 36 min
